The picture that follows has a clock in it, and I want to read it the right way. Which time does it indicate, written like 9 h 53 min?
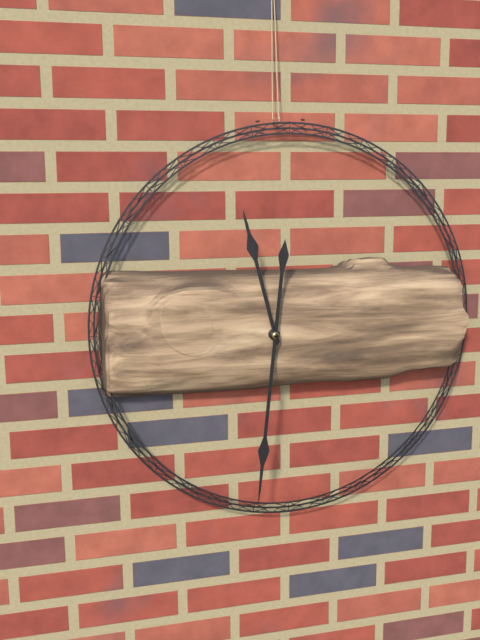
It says 11 h 31 min
